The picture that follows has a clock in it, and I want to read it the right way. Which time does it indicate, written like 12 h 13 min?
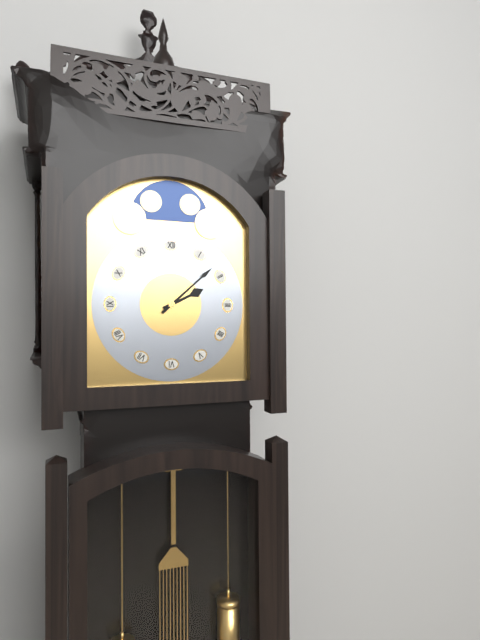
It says 2 h 08 min
